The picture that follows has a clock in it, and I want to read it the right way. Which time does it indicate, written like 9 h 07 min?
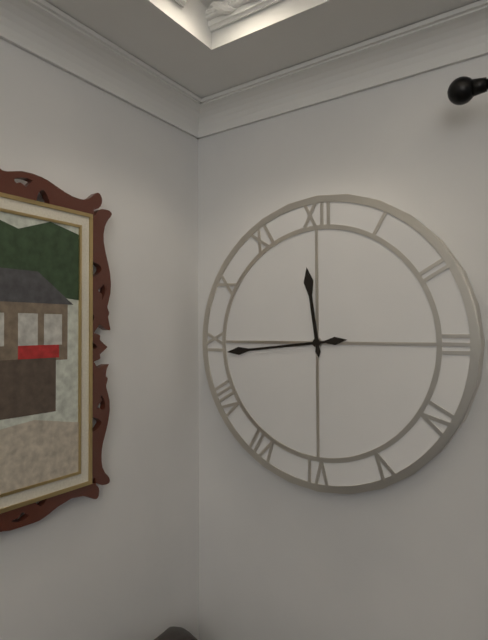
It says 11 h 44 min
